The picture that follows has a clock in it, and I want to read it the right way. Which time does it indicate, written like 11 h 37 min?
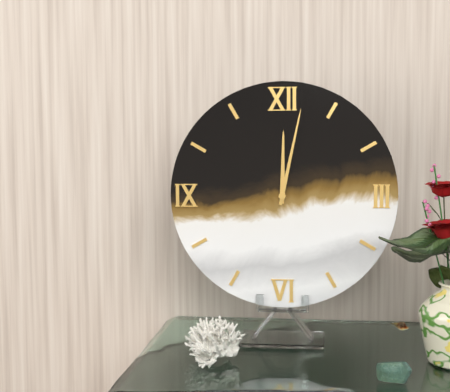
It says 12 h 02 min
